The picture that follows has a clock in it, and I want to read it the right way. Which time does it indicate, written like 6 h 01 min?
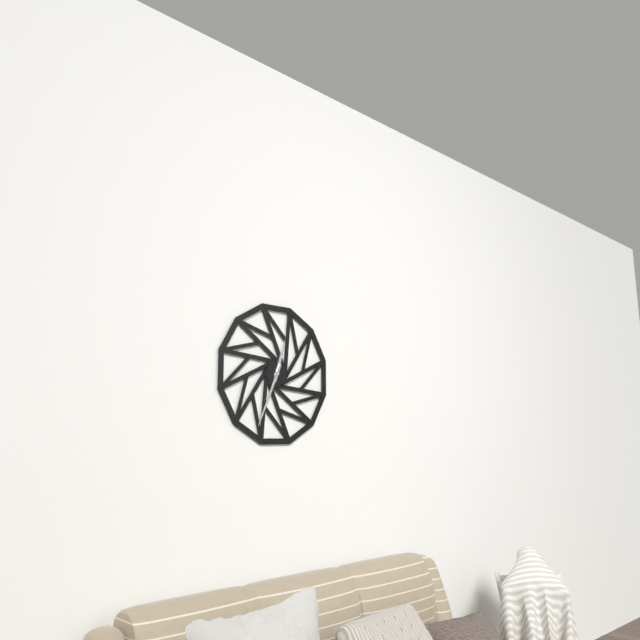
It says 12 h 34 min
